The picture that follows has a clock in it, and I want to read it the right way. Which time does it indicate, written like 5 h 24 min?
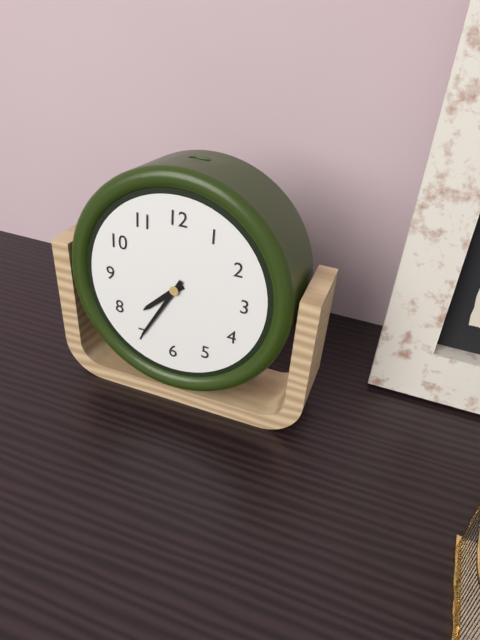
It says 7 h 35 min
